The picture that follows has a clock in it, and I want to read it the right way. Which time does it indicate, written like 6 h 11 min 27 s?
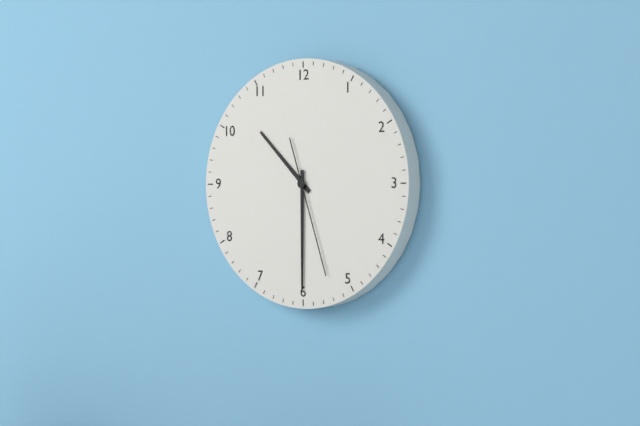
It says 10 h 30 min 27 s
